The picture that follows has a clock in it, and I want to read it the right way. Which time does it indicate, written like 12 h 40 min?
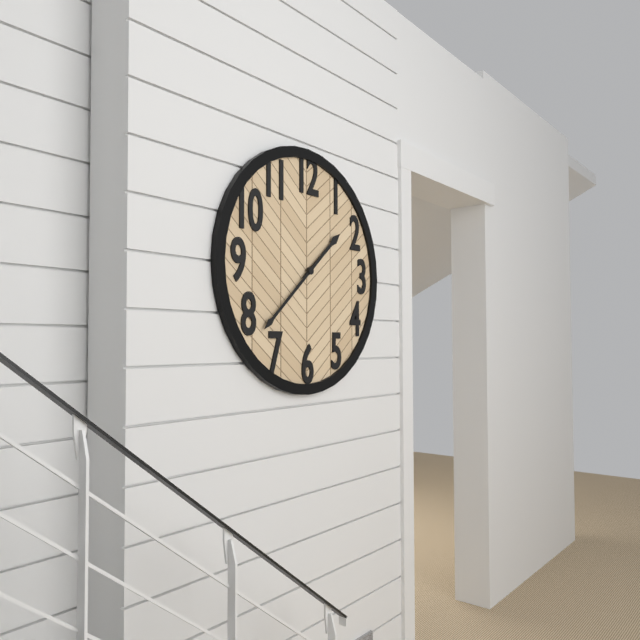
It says 1 h 38 min
